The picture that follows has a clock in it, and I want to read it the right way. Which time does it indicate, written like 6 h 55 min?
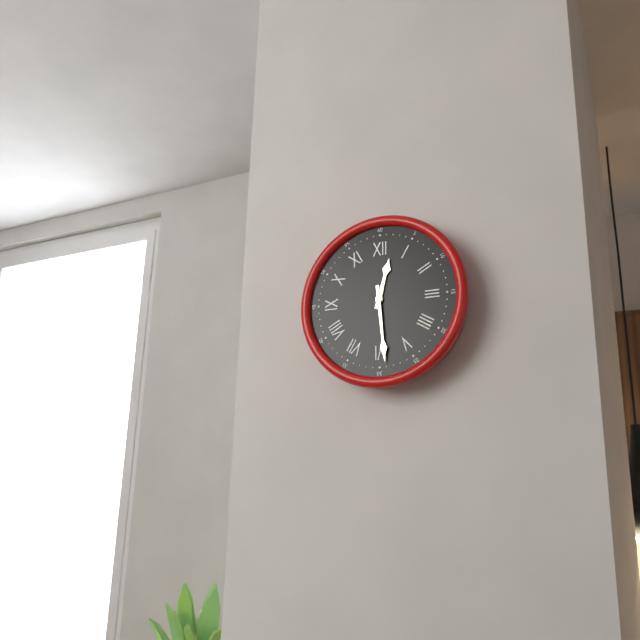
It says 12 h 29 min
